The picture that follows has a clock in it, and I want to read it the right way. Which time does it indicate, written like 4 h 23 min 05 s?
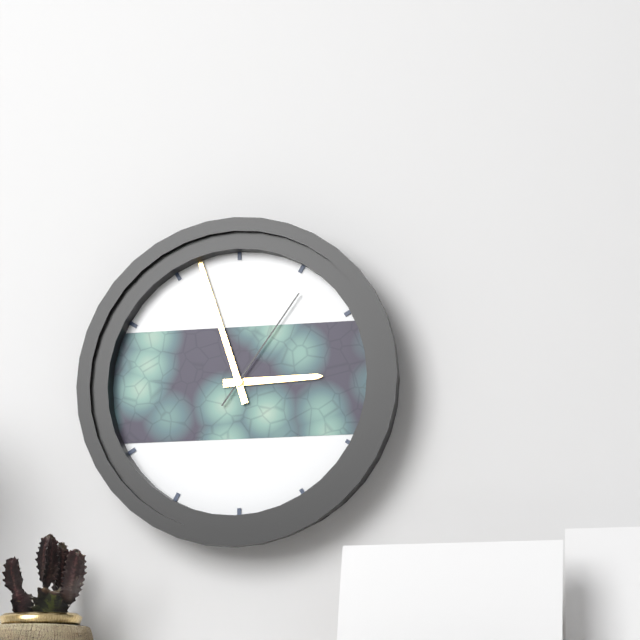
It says 2 h 57 min 06 s
